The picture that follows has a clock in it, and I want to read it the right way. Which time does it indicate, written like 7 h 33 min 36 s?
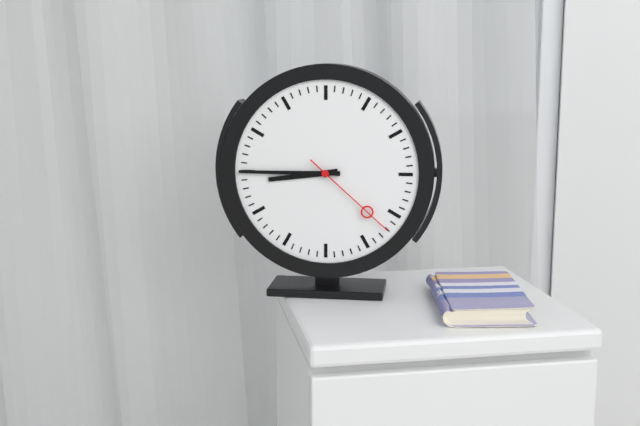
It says 8 h 45 min 22 s
